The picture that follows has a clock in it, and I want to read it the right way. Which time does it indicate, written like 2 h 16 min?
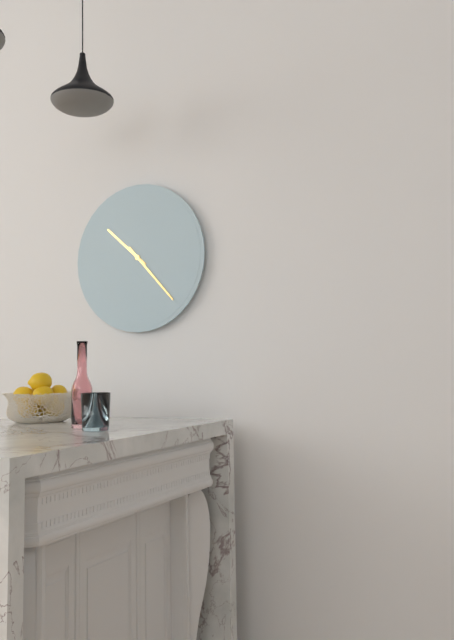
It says 10 h 23 min
